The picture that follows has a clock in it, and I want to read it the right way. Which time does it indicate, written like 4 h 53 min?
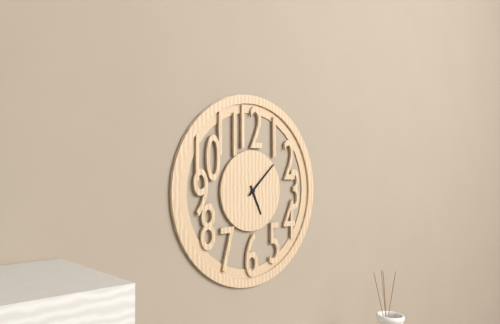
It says 5 h 08 min
